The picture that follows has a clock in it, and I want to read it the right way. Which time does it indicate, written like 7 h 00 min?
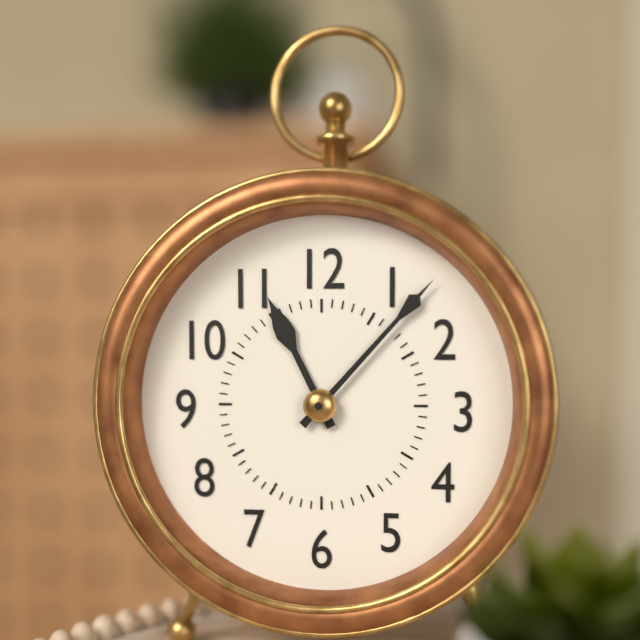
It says 11 h 07 min
